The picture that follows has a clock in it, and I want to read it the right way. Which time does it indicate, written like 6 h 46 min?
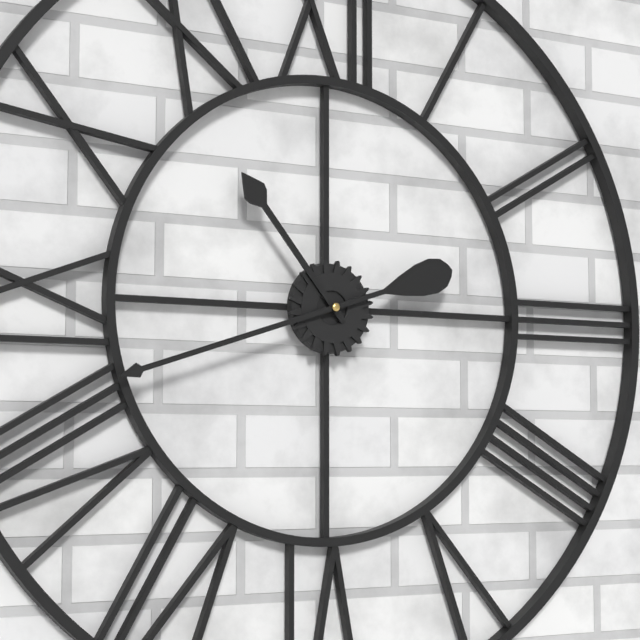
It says 10 h 42 min
